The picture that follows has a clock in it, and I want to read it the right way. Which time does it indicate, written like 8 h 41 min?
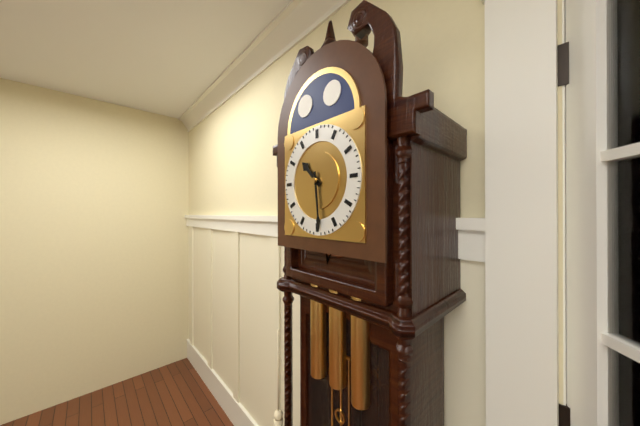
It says 10 h 29 min
